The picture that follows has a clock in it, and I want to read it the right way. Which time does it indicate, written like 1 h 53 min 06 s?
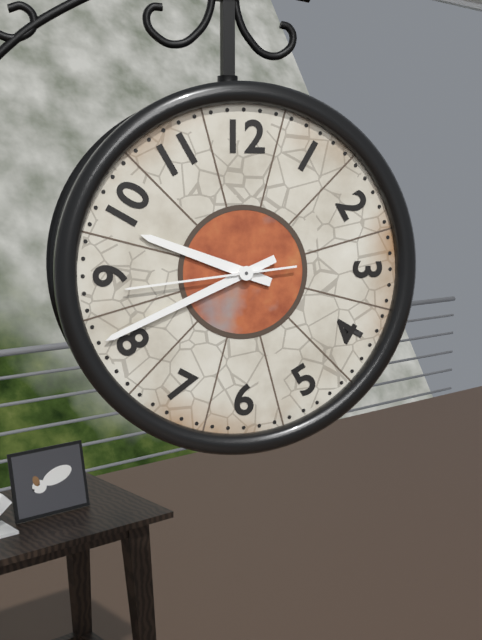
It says 9 h 41 min 44 s
